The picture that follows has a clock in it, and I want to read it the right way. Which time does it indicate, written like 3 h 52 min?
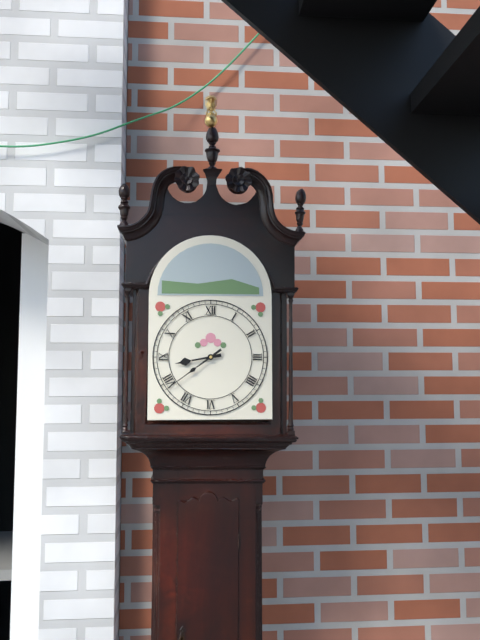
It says 8 h 39 min
